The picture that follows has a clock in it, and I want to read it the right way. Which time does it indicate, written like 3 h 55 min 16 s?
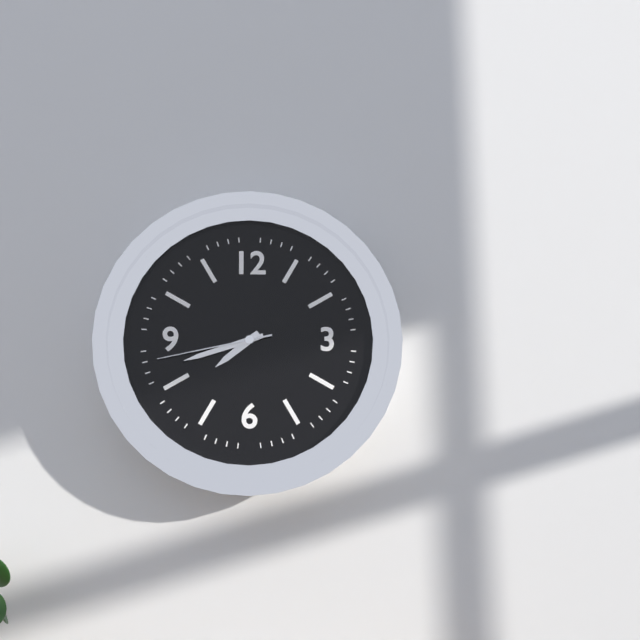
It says 7 h 42 min 43 s
